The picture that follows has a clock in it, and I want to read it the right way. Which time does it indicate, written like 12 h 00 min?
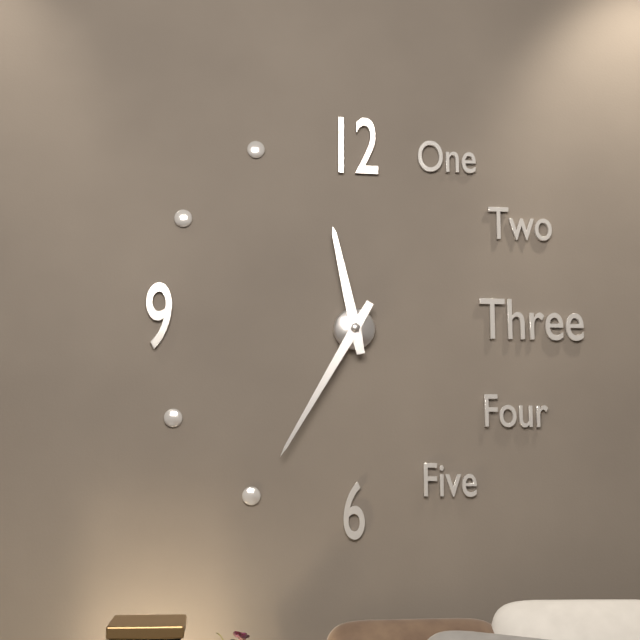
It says 11 h 35 min
